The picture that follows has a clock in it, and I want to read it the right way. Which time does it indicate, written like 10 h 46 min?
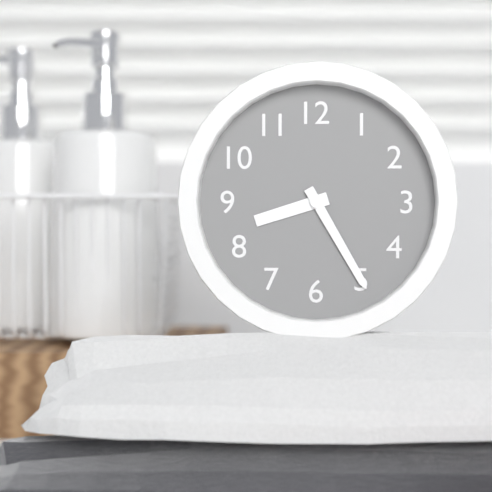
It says 8 h 25 min
